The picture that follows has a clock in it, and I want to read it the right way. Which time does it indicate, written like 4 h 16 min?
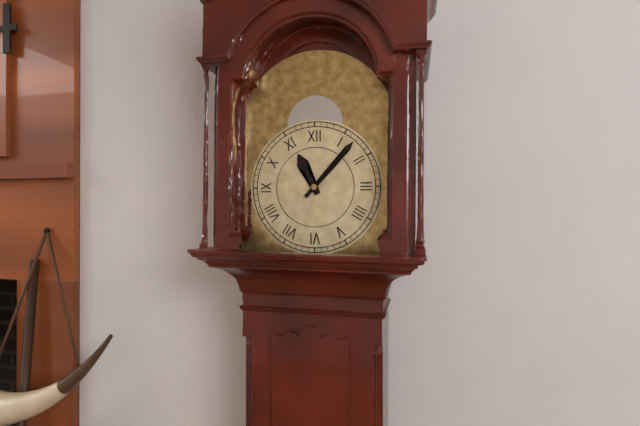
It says 11 h 07 min
